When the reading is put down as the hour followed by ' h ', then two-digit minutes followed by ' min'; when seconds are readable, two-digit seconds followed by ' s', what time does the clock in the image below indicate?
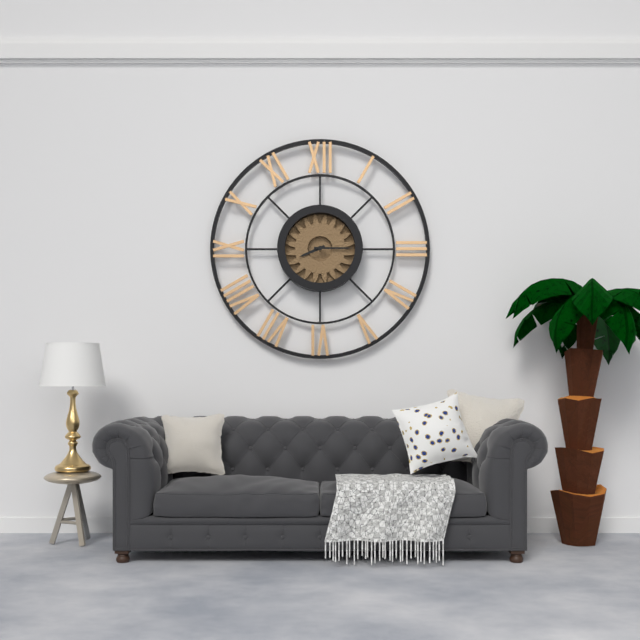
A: 8 h 15 min
